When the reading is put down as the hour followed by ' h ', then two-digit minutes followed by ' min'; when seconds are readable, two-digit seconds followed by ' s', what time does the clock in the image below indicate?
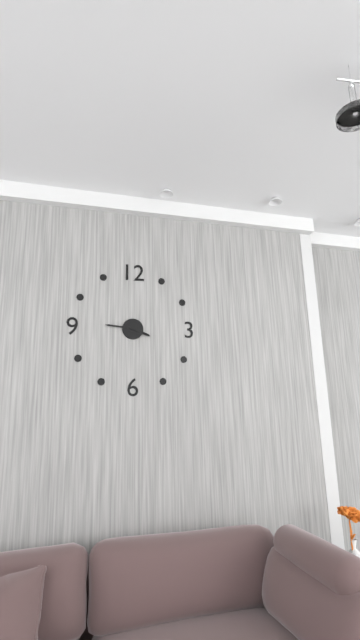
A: 3 h 46 min
